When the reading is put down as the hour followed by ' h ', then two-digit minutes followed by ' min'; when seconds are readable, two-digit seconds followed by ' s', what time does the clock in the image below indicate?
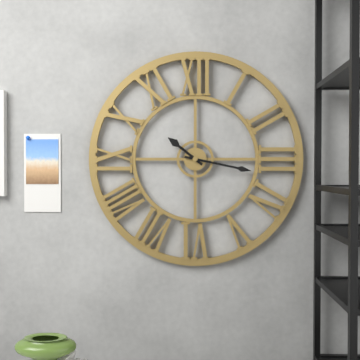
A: 10 h 17 min
